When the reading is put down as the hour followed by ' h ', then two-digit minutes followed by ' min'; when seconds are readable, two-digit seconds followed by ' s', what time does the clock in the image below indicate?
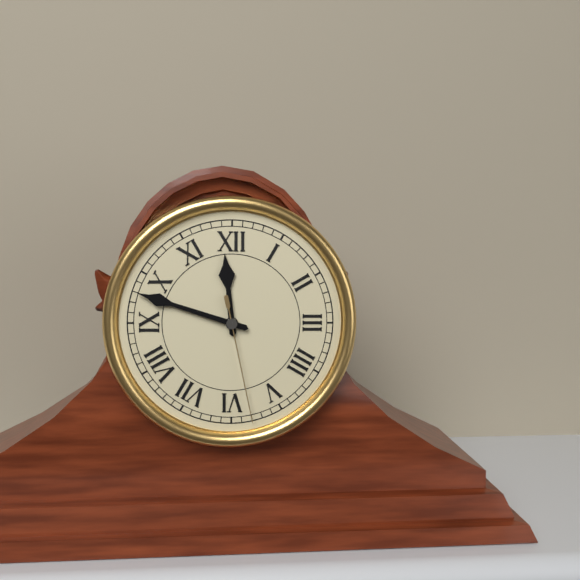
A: 11 h 48 min 28 s
